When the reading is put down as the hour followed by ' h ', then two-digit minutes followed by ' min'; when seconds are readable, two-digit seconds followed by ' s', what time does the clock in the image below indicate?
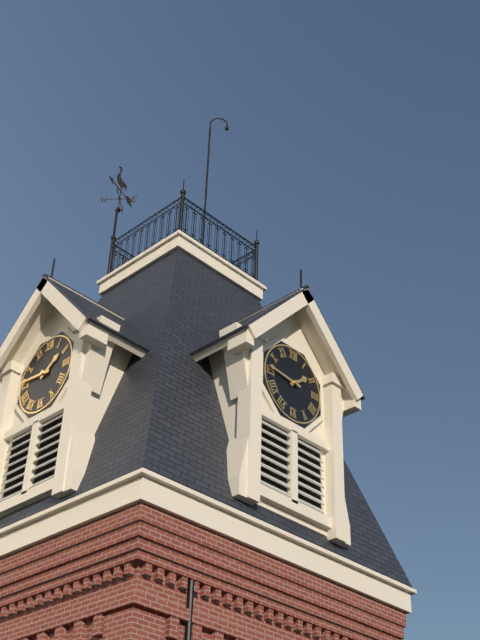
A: 1 h 46 min
